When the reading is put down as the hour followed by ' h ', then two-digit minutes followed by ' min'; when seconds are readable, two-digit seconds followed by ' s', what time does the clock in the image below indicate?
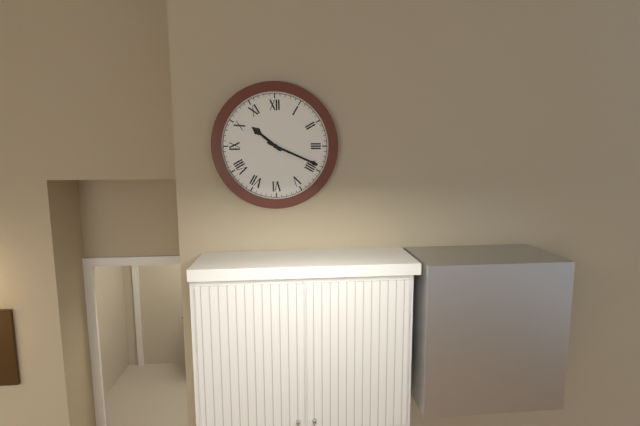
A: 10 h 19 min
